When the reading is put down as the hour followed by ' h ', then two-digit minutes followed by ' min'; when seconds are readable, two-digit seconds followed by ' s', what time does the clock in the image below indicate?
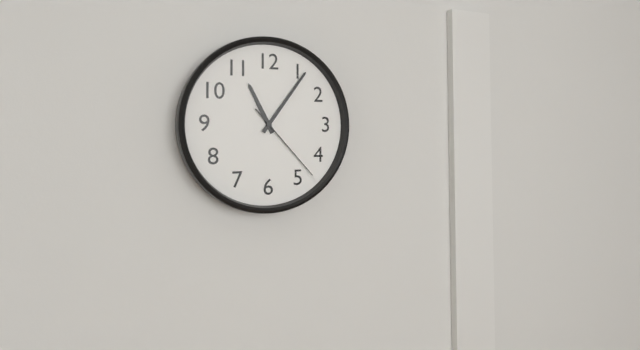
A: 11 h 06 min 23 s
